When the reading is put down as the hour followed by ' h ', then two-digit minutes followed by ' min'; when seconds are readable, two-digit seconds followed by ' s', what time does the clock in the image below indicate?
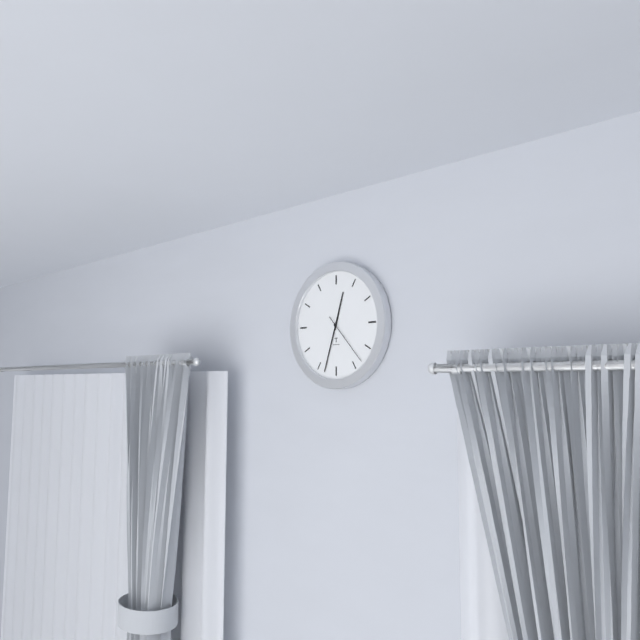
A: 12 h 33 min 23 s
